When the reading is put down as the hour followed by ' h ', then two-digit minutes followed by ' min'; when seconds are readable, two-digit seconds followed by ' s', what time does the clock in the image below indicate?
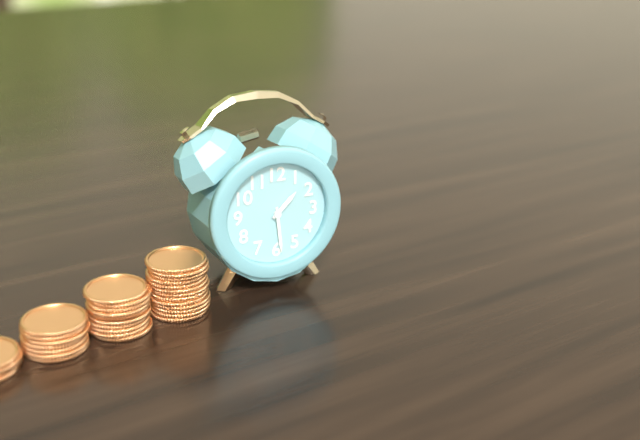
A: 1 h 29 min
